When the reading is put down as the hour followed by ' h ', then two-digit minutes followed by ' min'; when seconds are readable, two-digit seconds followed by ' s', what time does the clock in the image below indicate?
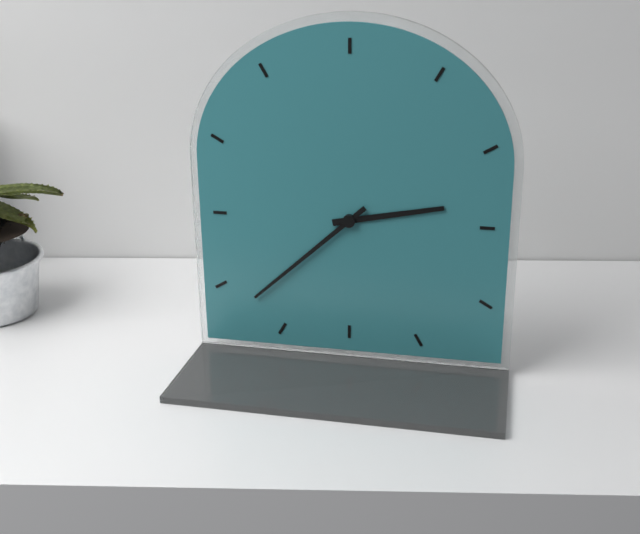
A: 2 h 38 min
